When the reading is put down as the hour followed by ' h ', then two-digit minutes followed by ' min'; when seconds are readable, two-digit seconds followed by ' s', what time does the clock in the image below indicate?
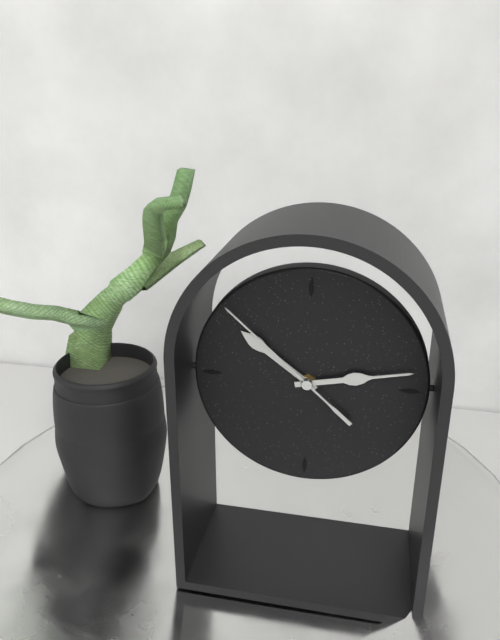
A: 10 h 13 min 52 s
